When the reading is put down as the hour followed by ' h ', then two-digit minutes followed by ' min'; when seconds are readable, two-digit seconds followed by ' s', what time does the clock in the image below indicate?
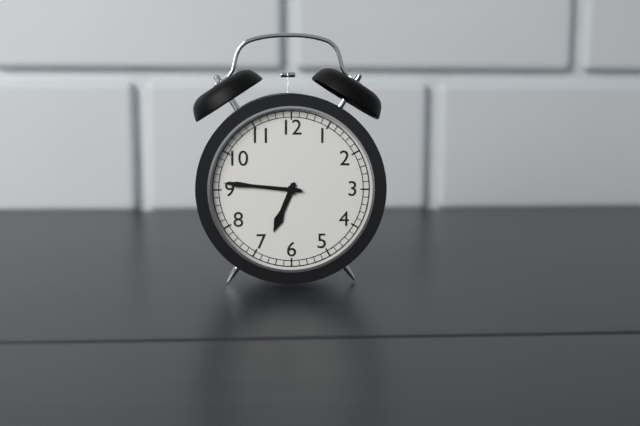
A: 6 h 46 min
